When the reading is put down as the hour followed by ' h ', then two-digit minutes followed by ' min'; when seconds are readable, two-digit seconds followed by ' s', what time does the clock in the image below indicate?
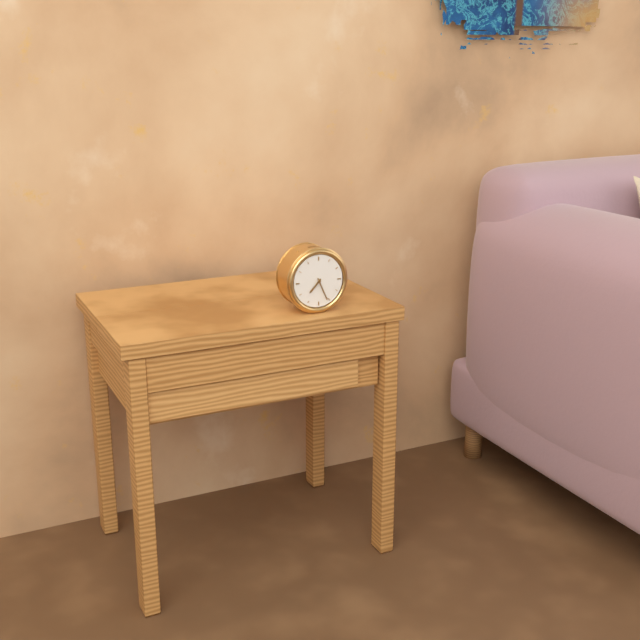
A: 7 h 26 min
